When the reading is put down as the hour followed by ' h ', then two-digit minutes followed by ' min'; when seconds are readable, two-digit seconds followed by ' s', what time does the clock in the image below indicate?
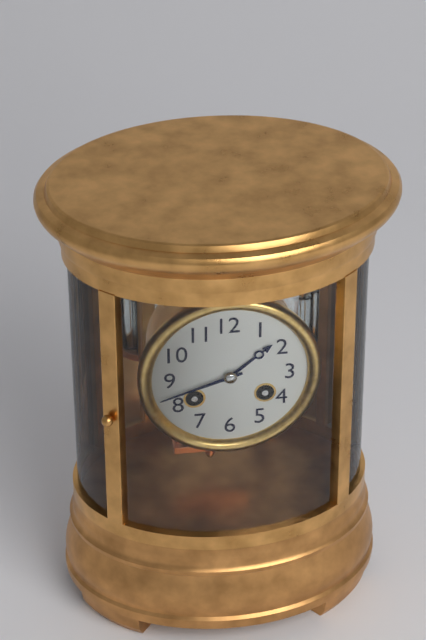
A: 1 h 42 min
